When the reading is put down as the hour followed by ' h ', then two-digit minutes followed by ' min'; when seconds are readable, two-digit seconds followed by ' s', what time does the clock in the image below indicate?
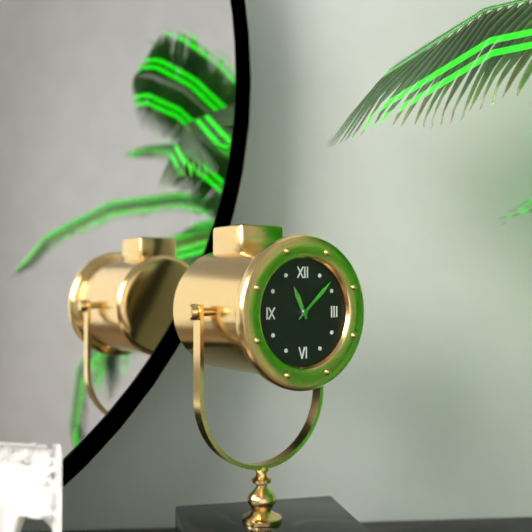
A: 11 h 08 min
